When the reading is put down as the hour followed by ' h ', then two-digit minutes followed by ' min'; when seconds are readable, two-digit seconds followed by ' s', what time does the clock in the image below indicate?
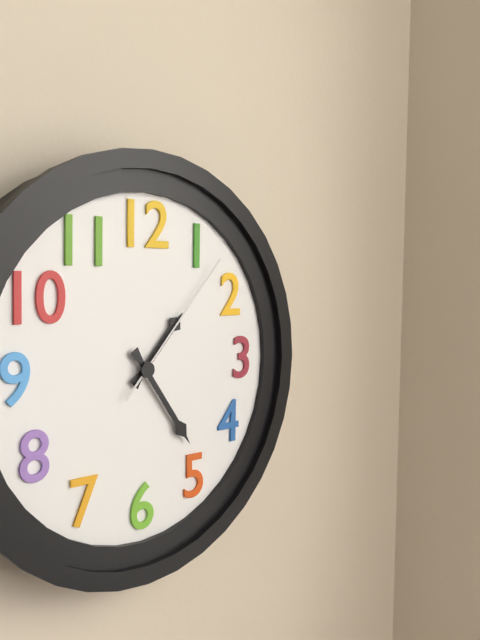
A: 1 h 24 min 07 s
